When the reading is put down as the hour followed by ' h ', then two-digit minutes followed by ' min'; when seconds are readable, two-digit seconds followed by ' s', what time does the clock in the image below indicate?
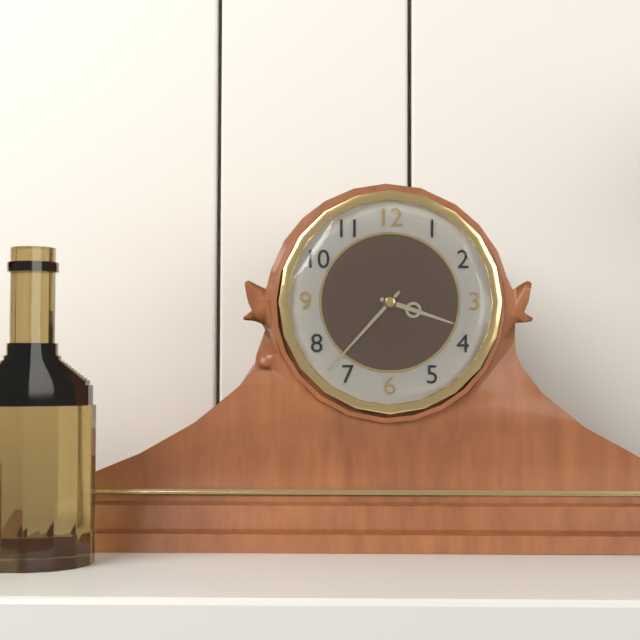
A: 3 h 37 min
